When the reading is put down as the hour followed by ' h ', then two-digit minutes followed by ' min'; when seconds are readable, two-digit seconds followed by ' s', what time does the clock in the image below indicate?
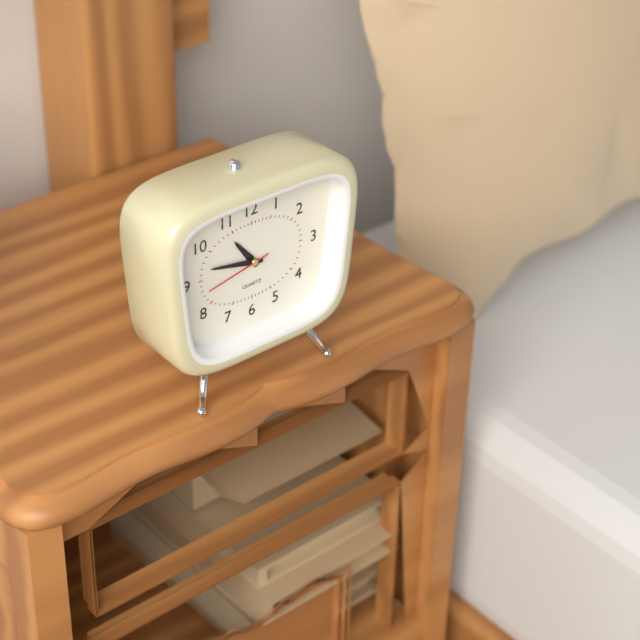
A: 10 h 47 min 43 s
